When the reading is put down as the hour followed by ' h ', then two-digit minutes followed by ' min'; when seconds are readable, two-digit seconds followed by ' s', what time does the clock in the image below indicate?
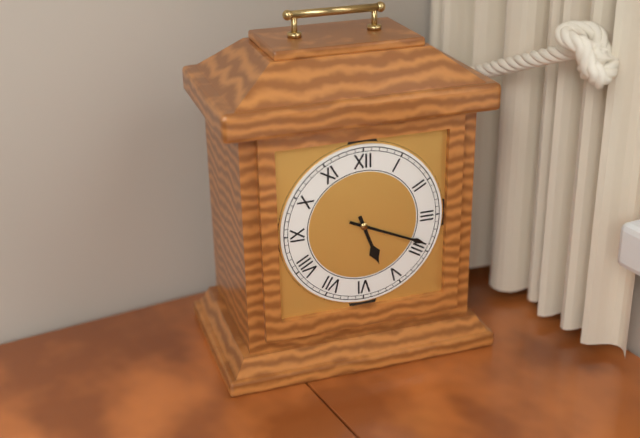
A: 5 h 19 min
